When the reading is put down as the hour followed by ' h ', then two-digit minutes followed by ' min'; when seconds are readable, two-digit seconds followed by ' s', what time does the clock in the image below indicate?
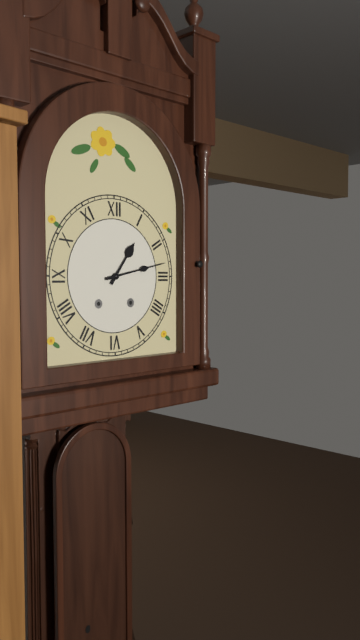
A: 1 h 13 min
